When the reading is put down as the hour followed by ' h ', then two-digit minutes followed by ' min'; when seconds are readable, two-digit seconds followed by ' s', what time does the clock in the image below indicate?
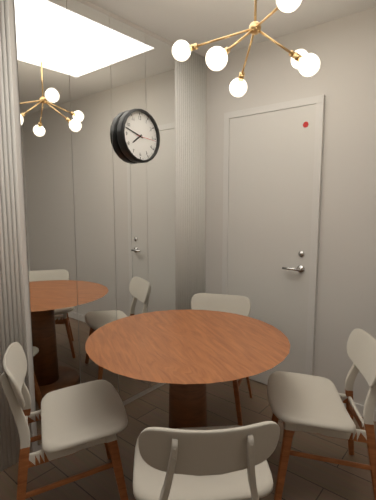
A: 7 h 48 min
